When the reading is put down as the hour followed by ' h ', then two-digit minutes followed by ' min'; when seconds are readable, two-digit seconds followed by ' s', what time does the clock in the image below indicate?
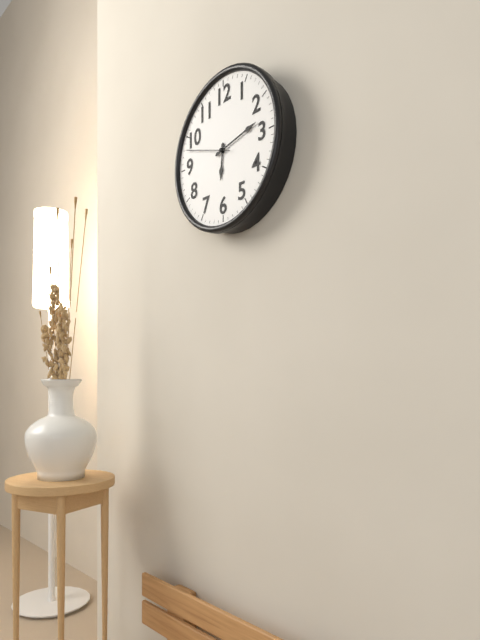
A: 6 h 13 min
